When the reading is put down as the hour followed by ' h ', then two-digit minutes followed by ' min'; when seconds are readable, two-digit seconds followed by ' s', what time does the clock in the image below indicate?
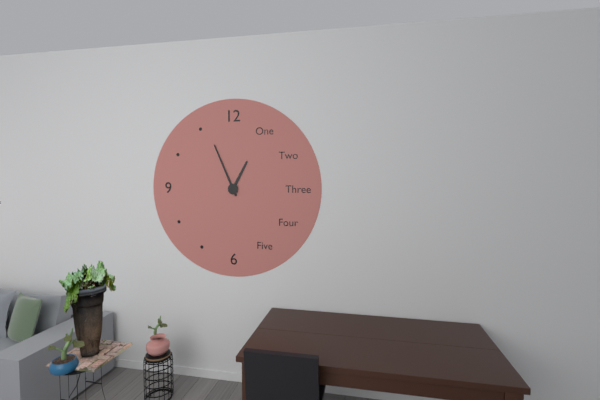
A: 12 h 56 min
